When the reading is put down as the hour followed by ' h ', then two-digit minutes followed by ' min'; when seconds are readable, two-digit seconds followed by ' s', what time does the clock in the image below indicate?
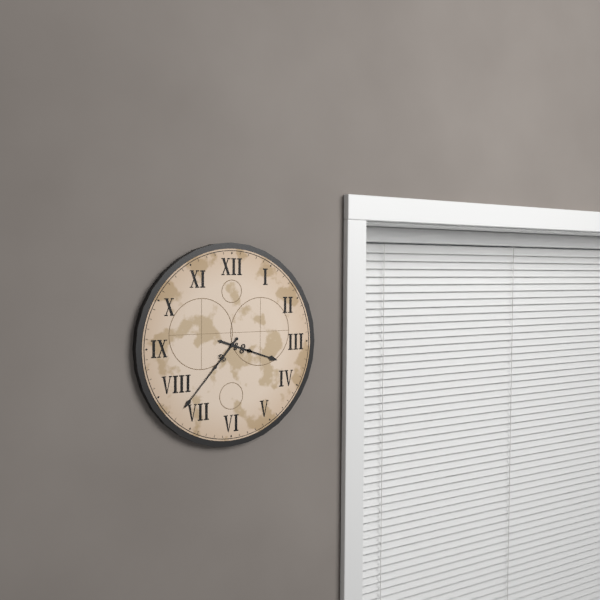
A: 3 h 37 min
